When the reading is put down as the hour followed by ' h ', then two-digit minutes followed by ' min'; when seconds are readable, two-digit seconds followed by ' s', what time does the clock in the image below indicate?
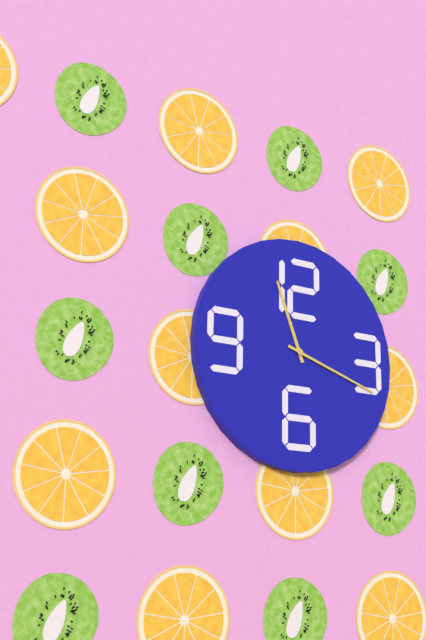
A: 11 h 18 min
